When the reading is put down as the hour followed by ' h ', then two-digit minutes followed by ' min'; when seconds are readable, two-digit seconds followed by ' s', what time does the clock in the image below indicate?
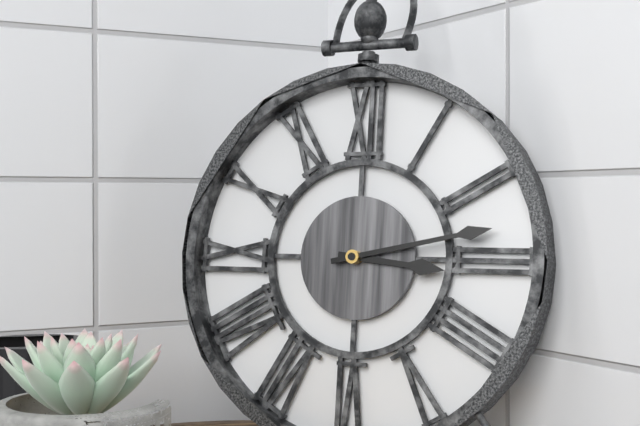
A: 3 h 13 min
